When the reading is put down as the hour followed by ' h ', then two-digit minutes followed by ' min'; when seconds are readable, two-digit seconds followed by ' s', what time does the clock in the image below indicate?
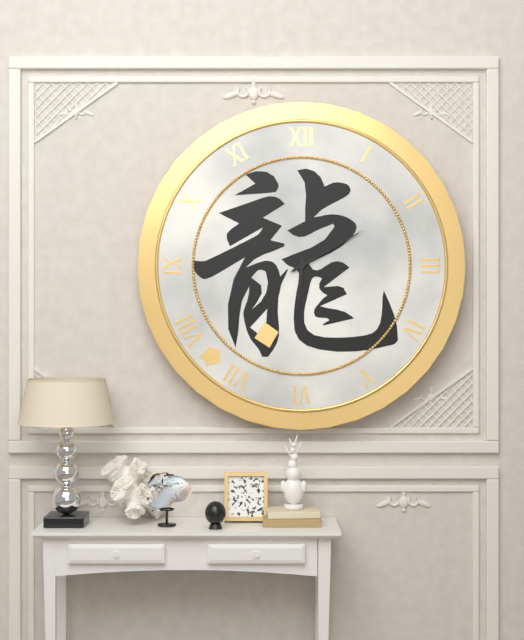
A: 6 h 10 min
